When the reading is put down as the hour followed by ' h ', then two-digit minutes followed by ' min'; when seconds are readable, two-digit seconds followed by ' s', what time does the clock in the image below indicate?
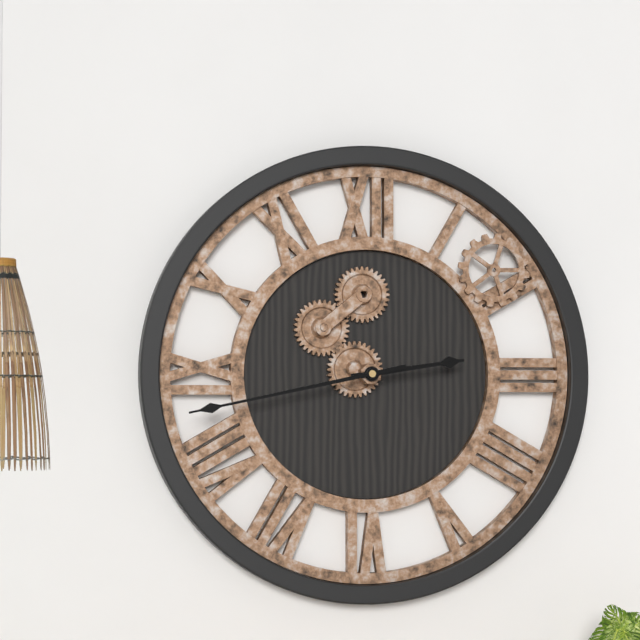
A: 2 h 43 min
